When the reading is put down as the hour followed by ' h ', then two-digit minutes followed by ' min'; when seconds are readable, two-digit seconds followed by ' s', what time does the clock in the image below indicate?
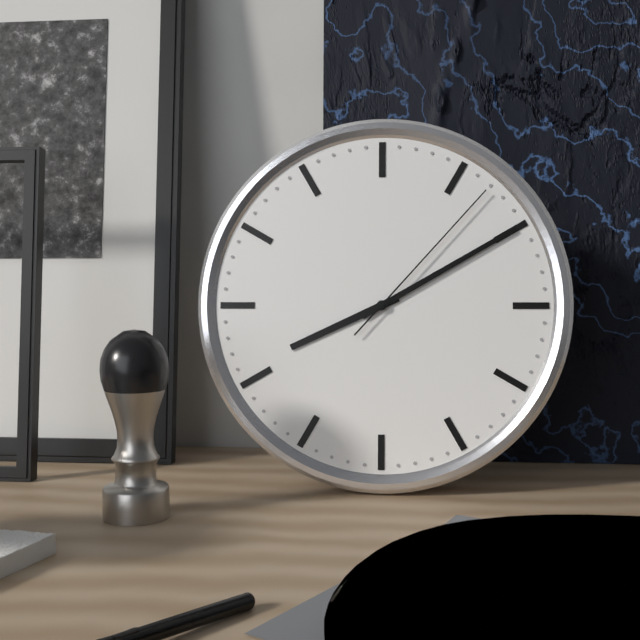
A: 8 h 10 min 07 s
